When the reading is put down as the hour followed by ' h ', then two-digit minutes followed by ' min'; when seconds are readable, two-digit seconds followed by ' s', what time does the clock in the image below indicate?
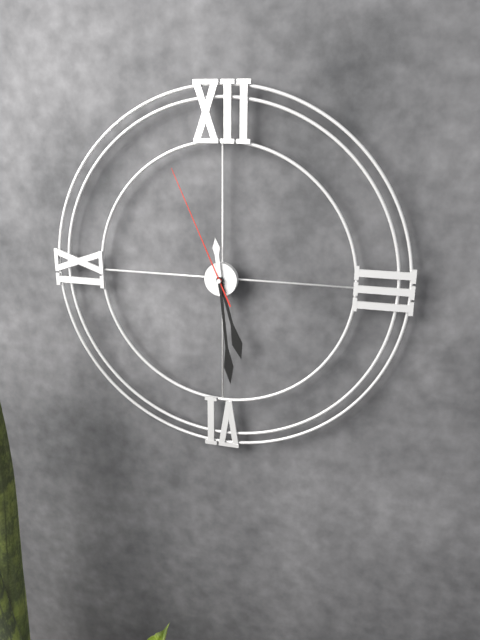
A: 5 h 29 min 56 s
